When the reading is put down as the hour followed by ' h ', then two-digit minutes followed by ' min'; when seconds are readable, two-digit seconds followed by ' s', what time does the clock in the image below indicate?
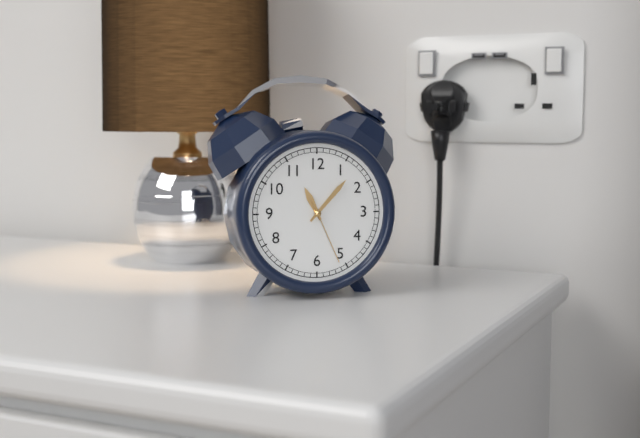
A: 11 h 07 min 26 s
